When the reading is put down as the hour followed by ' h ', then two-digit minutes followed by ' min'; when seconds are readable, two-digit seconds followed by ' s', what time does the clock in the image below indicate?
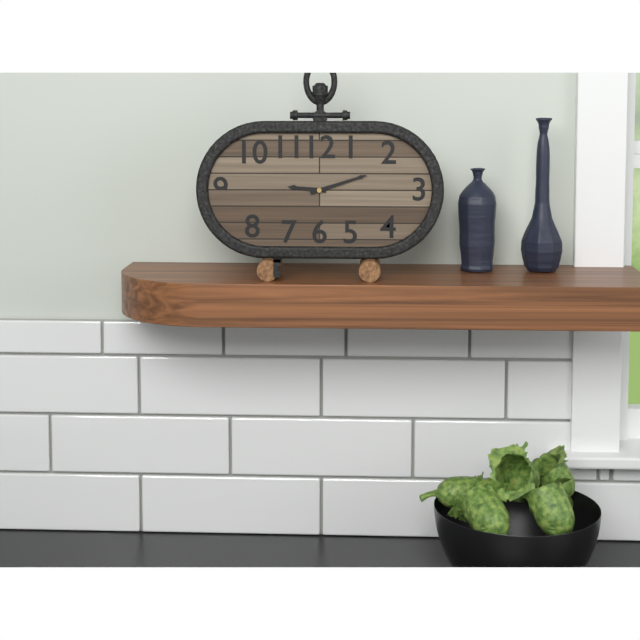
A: 9 h 12 min
